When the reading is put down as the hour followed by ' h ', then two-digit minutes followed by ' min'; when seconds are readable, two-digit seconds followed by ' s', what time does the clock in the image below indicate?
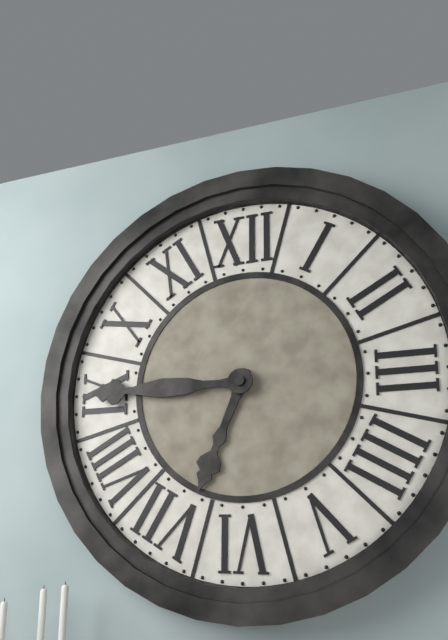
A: 6 h 45 min
